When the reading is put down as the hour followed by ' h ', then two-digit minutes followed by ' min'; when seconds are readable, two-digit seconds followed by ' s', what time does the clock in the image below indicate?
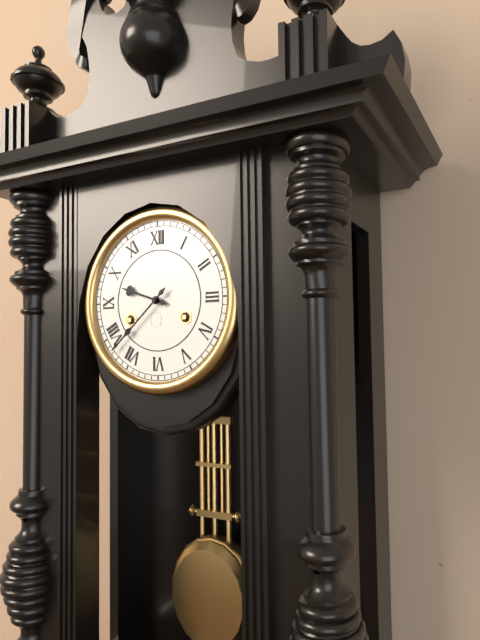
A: 9 h 38 min
